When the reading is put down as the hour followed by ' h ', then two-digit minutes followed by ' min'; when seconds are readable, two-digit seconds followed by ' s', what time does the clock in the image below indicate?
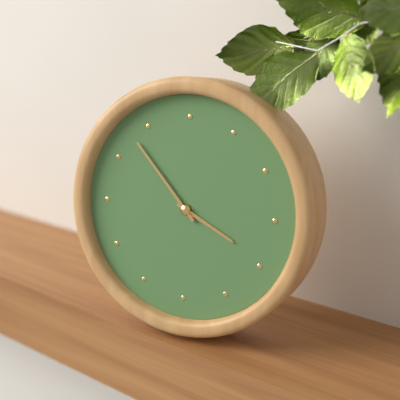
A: 3 h 53 min
